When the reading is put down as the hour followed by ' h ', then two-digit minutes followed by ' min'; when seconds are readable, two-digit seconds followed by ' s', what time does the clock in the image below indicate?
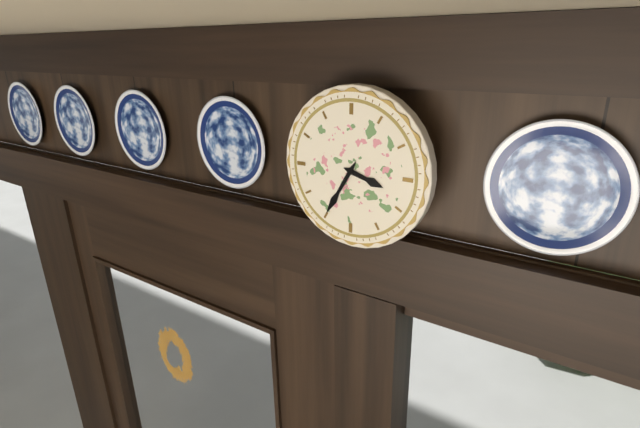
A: 3 h 35 min
